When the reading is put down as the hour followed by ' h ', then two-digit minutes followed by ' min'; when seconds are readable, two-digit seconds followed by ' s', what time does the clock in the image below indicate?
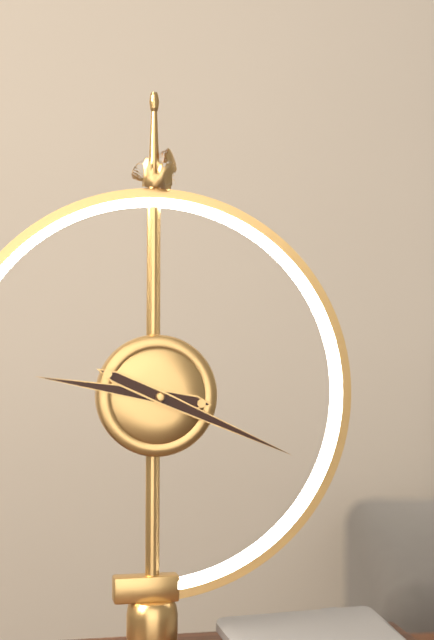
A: 9 h 19 min
